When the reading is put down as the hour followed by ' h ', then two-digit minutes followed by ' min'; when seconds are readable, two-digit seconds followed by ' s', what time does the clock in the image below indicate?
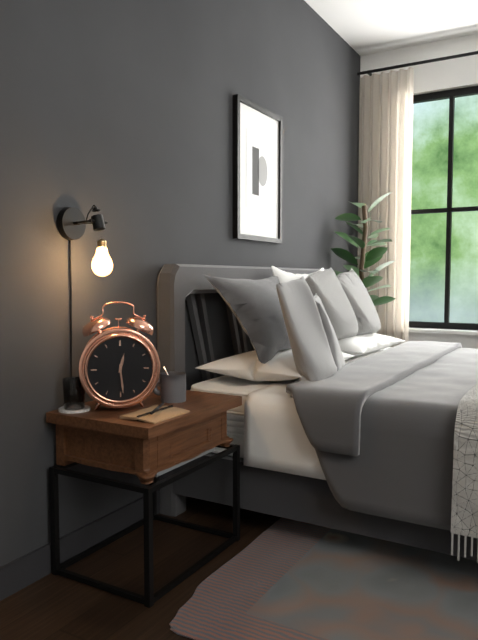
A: 12 h 29 min
